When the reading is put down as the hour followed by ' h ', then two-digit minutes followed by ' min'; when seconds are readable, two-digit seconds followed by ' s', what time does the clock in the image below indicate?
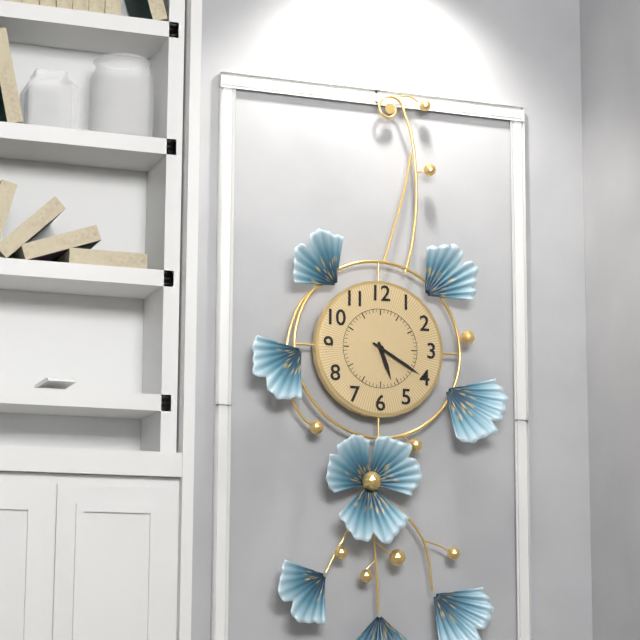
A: 5 h 20 min
